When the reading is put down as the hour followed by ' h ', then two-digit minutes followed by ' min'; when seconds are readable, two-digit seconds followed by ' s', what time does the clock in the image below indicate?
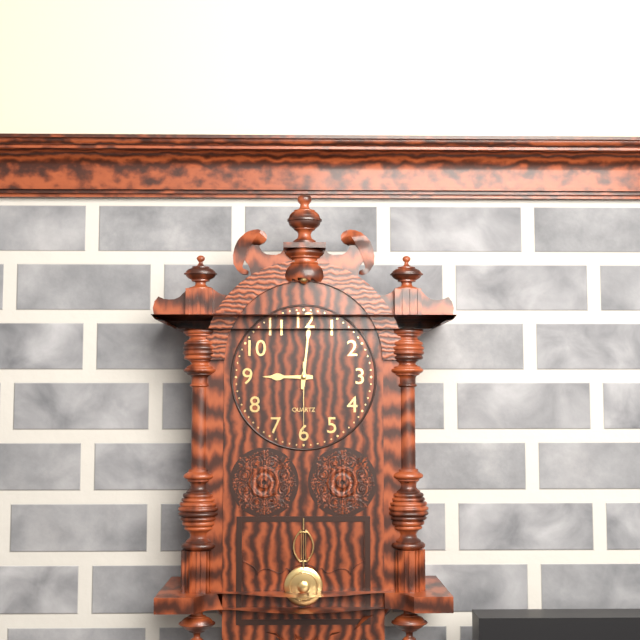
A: 9 h 01 min 30 s
